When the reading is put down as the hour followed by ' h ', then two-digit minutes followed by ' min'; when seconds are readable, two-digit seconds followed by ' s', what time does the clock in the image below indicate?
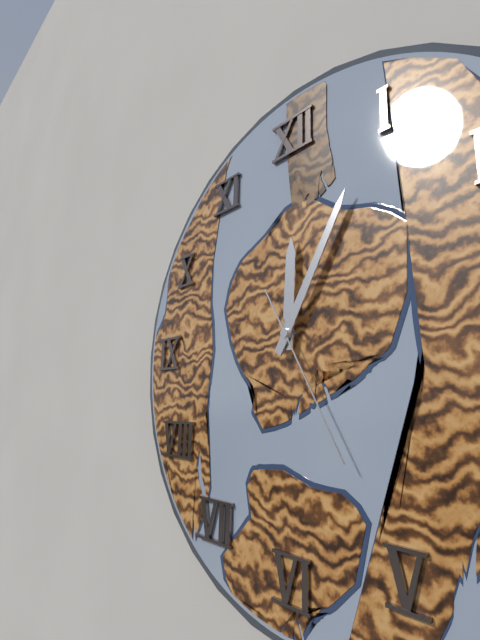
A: 12 h 05 min 25 s
